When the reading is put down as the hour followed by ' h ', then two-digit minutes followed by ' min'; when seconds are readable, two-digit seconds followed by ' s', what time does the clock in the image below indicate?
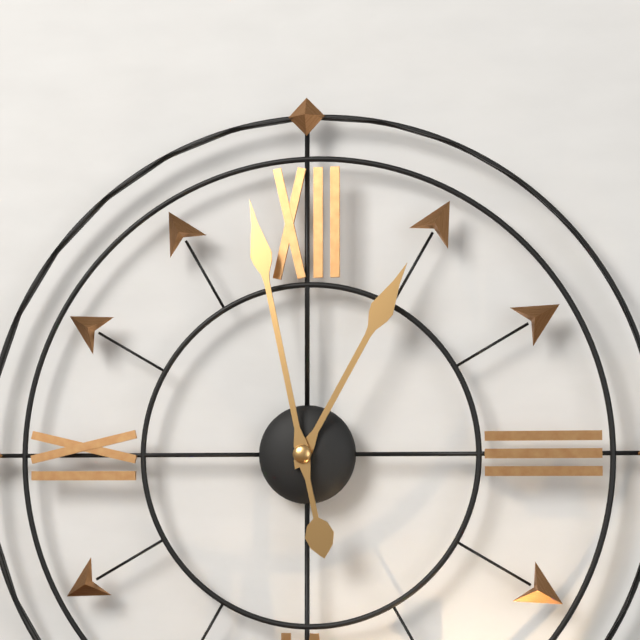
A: 12 h 58 min
